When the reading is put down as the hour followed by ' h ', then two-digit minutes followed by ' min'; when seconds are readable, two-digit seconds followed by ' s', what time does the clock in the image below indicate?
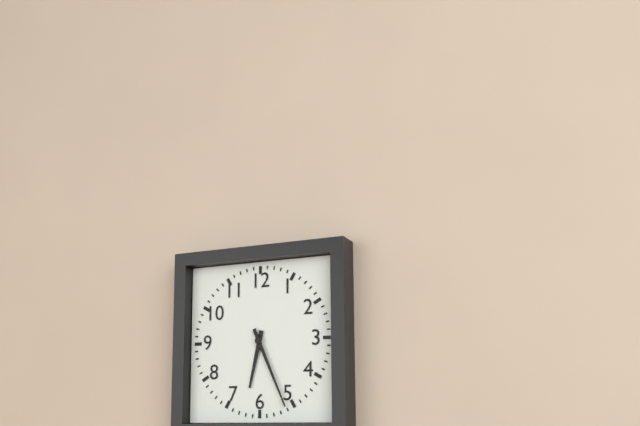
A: 6 h 26 min
